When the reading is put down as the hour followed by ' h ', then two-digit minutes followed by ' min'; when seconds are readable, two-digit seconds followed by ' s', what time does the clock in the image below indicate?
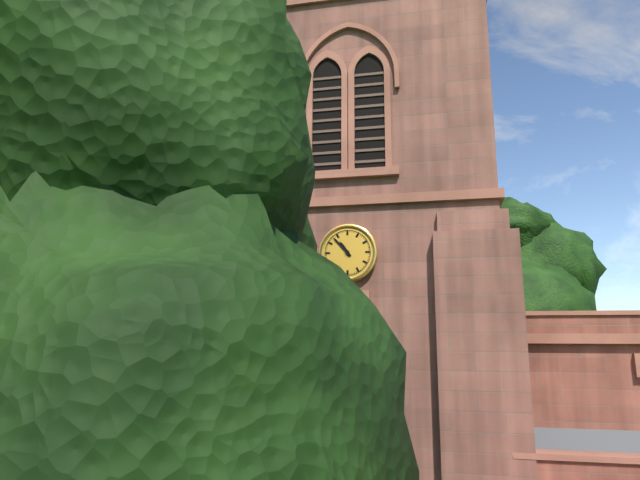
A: 10 h 53 min
